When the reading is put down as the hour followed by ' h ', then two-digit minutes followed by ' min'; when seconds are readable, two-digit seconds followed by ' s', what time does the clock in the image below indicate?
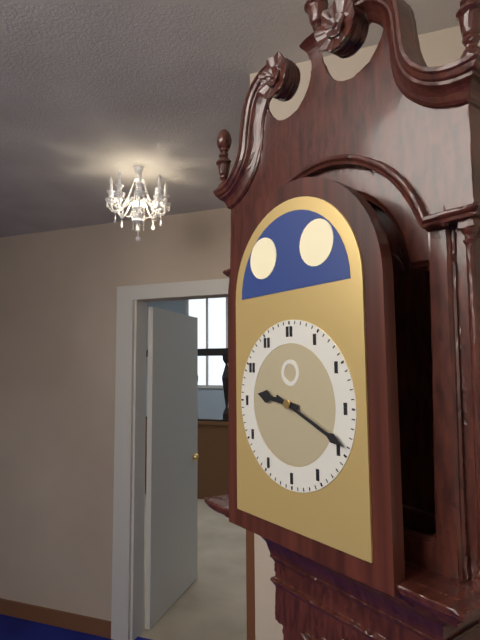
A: 9 h 19 min
